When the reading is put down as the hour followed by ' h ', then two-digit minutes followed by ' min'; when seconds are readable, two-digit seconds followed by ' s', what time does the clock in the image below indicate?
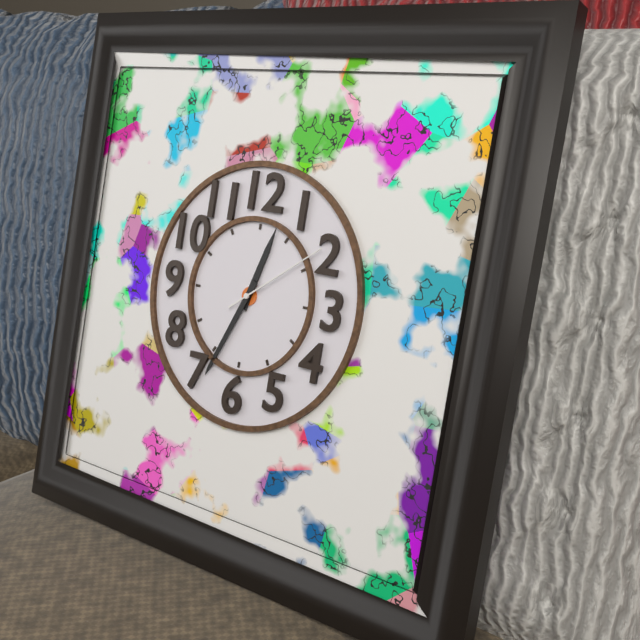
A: 12 h 34 min 09 s
